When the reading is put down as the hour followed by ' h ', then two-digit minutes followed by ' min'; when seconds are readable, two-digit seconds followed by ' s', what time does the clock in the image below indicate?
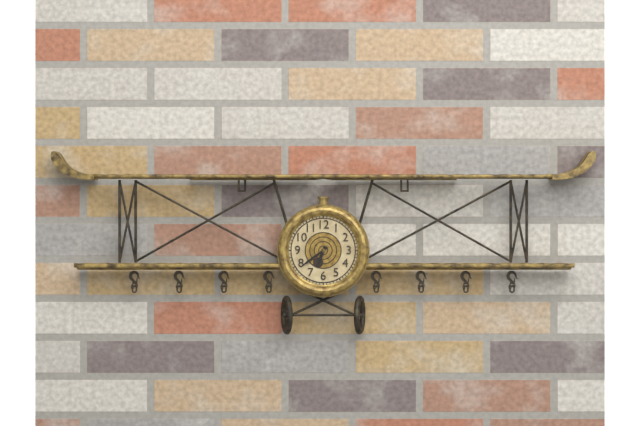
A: 6 h 39 min
